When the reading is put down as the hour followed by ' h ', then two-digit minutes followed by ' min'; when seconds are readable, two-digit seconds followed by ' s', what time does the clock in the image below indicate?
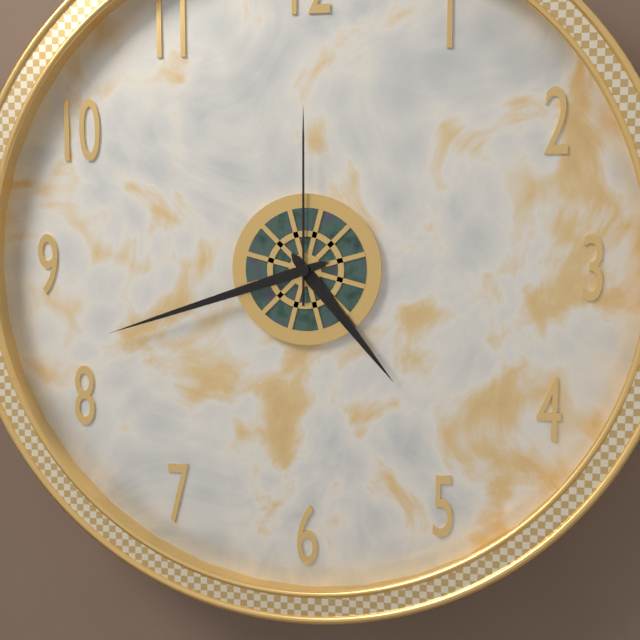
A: 4 h 42 min 00 s
